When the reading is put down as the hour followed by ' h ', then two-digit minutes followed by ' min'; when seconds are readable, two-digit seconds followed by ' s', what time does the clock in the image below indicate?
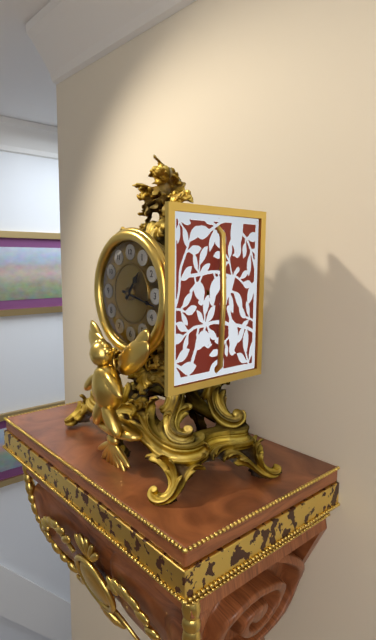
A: 1 h 17 min
